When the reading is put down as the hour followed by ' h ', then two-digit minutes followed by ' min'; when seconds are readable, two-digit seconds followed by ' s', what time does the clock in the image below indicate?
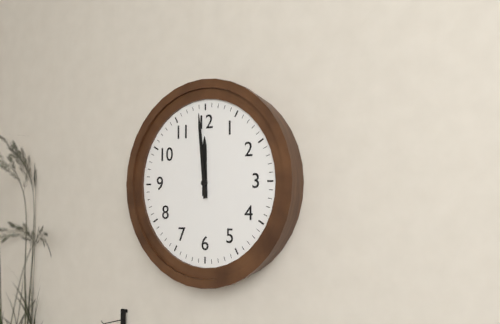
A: 11 h 59 min
